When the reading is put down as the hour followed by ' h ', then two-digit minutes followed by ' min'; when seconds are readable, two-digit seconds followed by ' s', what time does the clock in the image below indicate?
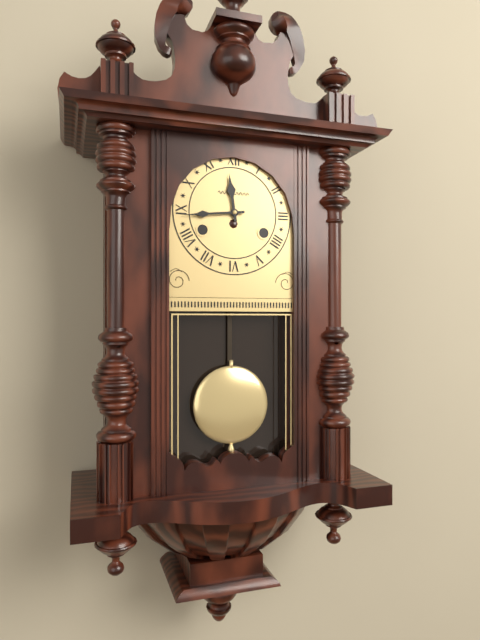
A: 11 h 44 min
